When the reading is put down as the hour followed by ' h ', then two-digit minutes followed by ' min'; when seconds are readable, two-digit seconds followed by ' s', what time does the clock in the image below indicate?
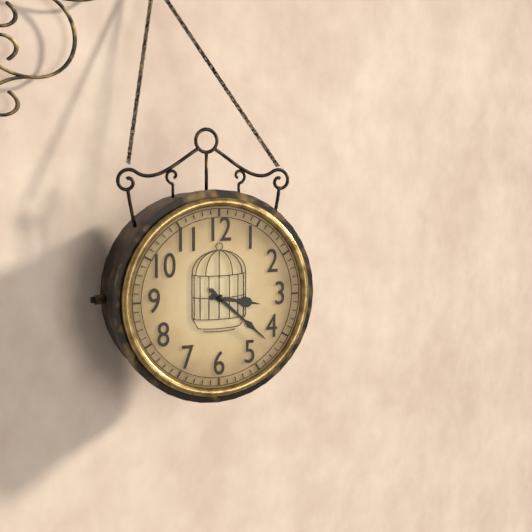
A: 3 h 22 min
